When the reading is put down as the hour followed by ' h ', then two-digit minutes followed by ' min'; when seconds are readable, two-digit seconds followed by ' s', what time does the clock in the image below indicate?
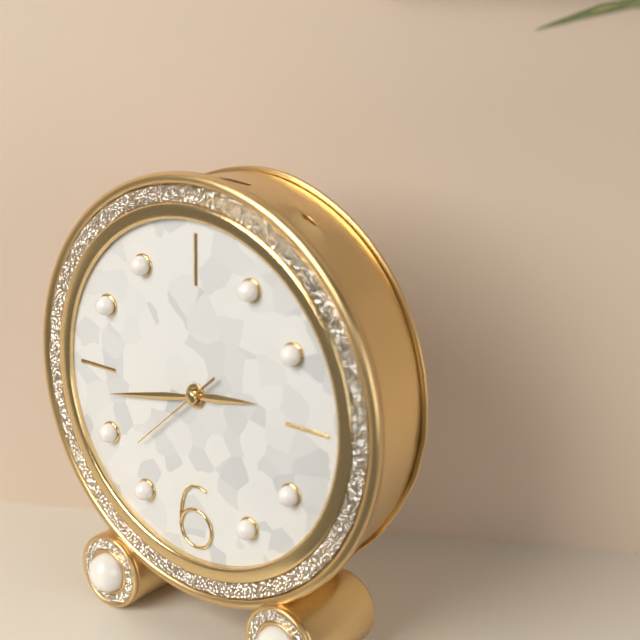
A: 2 h 43 min 38 s
